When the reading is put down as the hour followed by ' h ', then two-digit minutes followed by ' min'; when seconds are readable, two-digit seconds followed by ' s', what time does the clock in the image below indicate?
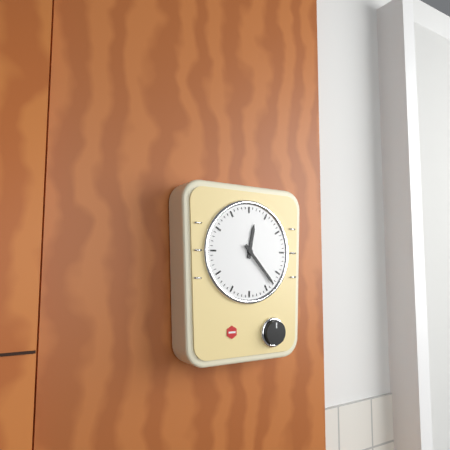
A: 12 h 23 min
